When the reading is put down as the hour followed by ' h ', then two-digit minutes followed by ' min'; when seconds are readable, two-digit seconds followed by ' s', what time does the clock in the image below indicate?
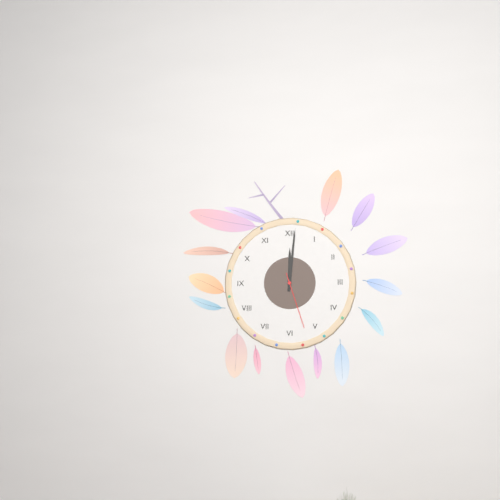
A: 12 h 01 min 27 s
